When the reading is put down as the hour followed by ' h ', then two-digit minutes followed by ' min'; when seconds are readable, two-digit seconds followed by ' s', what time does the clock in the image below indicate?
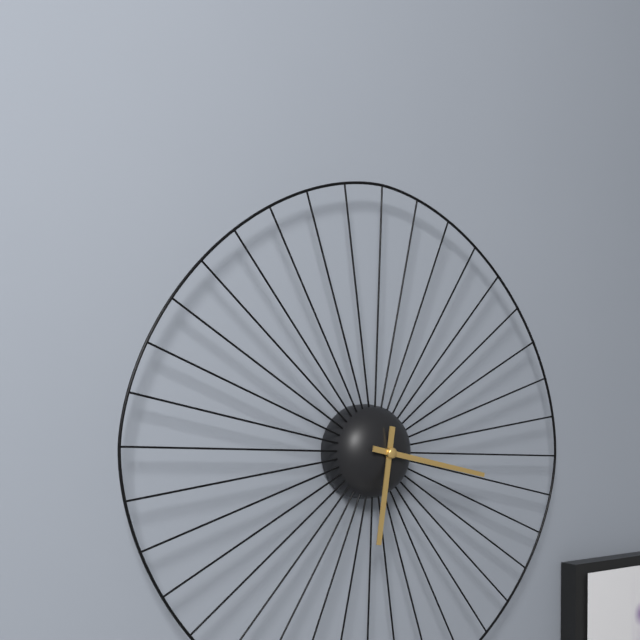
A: 6 h 17 min
